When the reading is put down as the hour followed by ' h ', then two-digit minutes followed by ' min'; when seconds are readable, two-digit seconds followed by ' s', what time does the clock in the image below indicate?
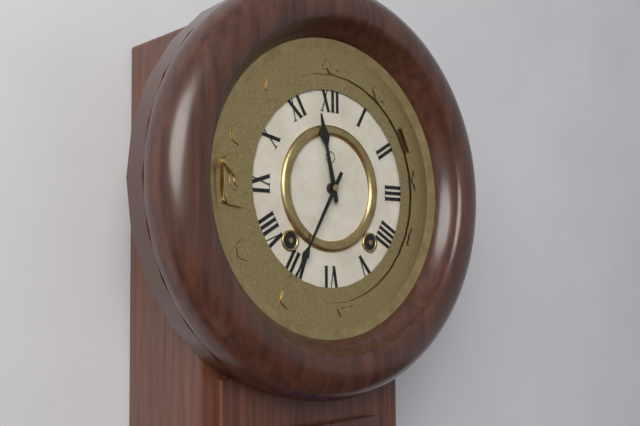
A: 11 h 35 min
